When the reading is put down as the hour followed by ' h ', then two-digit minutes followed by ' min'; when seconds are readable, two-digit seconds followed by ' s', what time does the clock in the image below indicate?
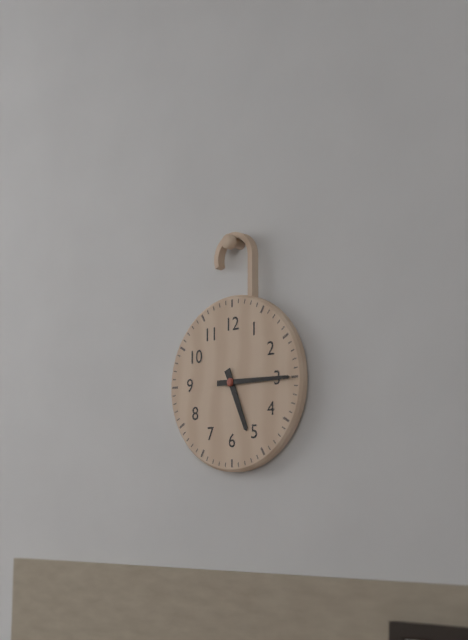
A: 5 h 15 min
